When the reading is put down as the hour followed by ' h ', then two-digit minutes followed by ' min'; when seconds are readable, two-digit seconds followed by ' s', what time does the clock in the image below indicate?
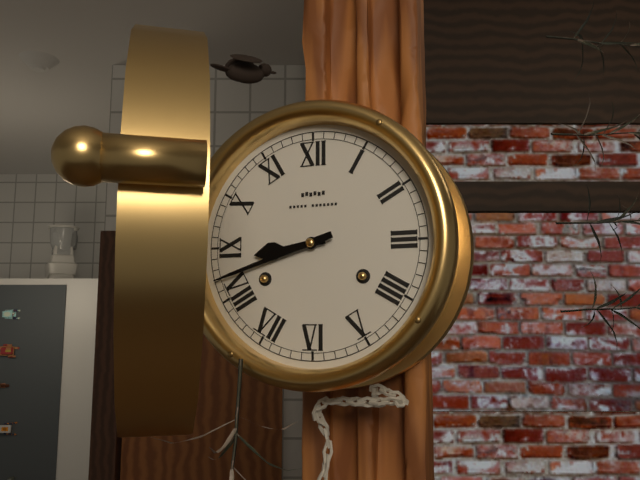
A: 8 h 42 min
